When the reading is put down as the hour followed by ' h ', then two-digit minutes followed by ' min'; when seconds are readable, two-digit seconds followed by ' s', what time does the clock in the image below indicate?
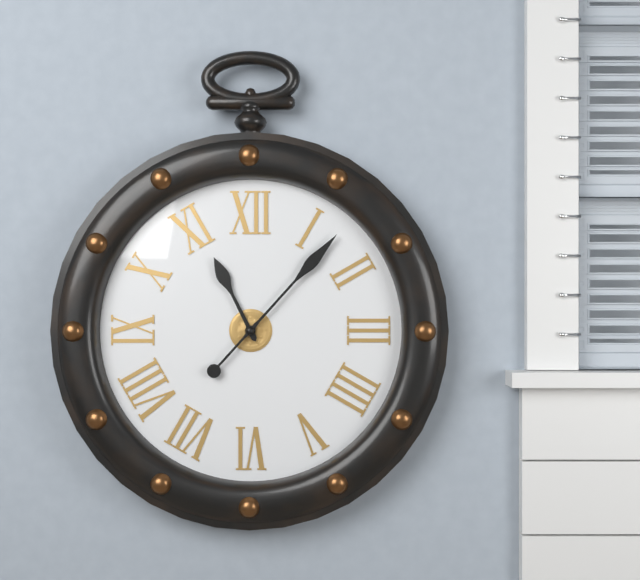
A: 11 h 07 min
